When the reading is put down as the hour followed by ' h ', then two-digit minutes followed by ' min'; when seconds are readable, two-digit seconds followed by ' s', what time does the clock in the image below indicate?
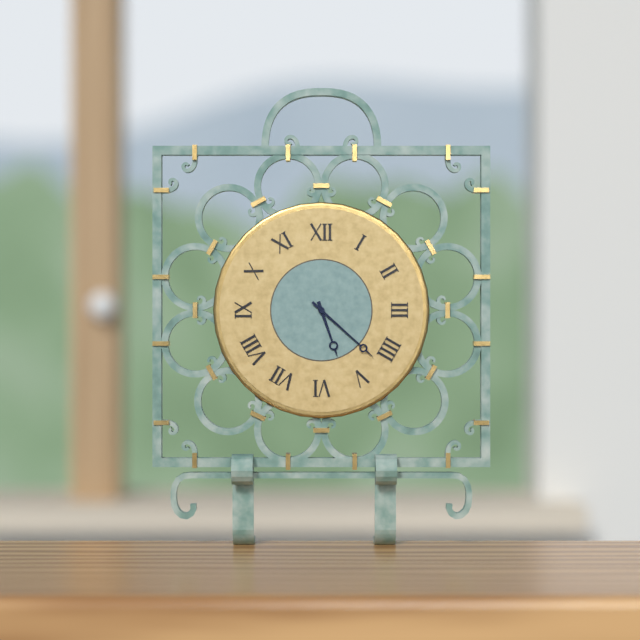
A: 5 h 22 min
